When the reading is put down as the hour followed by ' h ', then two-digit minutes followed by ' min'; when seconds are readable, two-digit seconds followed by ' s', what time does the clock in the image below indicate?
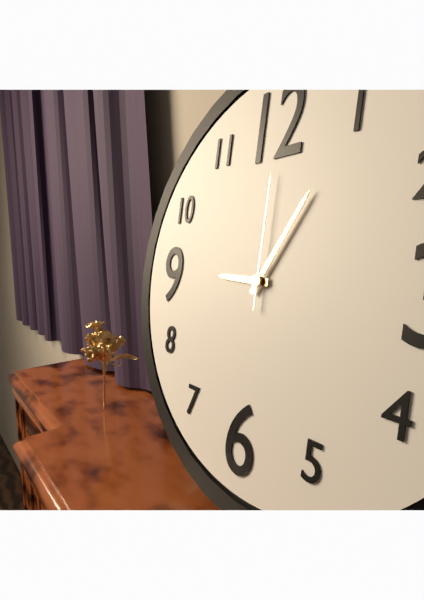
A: 9 h 05 min 00 s
